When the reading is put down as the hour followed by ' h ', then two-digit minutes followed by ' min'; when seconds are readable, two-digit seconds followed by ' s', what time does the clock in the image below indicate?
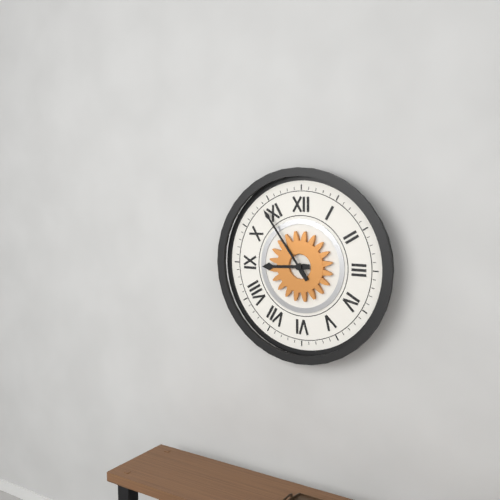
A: 8 h 54 min
